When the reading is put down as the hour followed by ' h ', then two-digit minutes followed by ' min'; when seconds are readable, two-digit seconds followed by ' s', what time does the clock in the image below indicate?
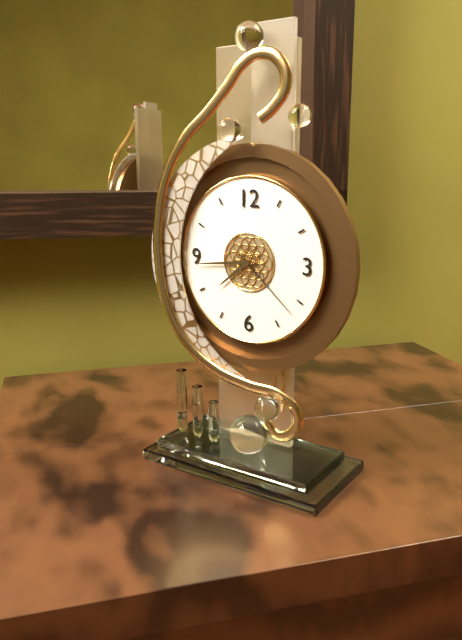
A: 7 h 44 min 22 s
